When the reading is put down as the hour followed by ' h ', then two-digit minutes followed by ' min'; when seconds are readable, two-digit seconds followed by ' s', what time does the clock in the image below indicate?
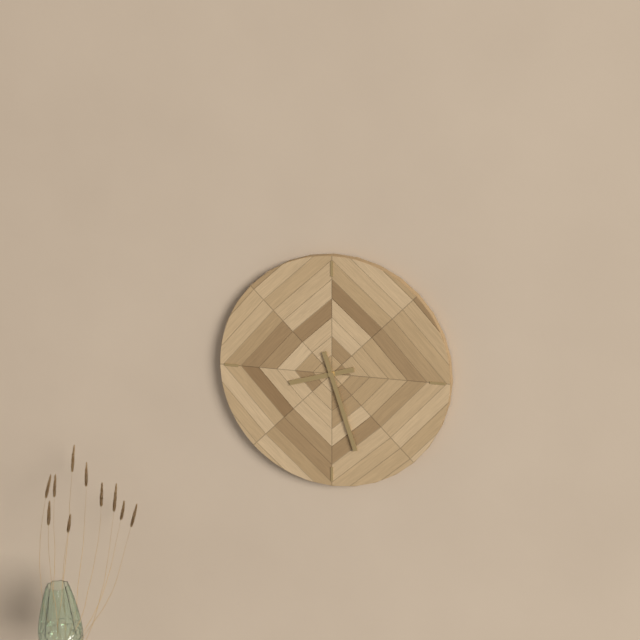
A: 8 h 27 min
